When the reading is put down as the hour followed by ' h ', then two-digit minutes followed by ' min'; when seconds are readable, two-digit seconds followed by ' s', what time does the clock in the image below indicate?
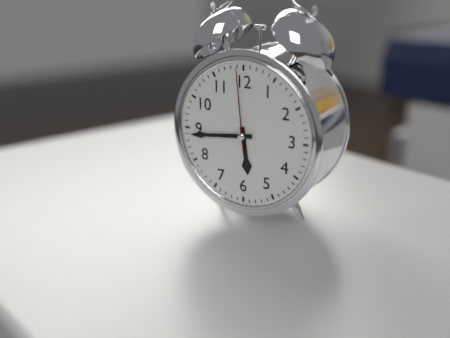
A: 5 h 44 min 59 s
